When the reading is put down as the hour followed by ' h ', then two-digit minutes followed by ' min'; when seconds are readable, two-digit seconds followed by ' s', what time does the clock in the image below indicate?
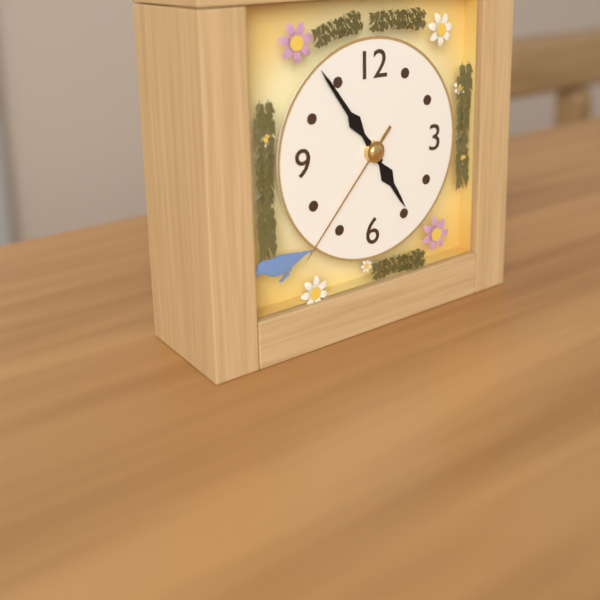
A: 4 h 54 min 37 s
